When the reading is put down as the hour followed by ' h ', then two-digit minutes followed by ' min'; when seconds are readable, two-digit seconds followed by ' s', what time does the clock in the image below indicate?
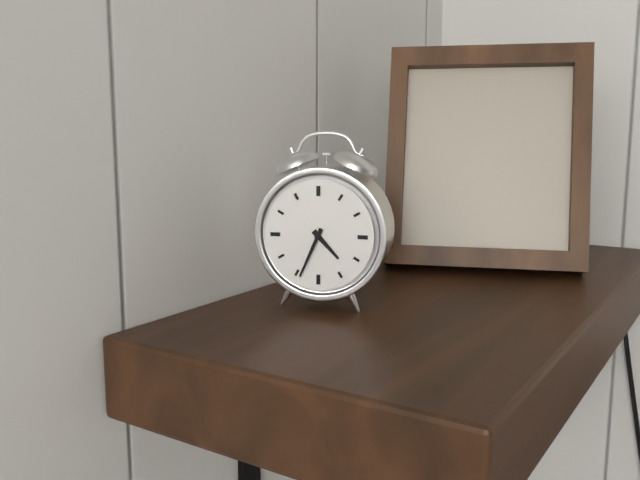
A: 4 h 34 min
